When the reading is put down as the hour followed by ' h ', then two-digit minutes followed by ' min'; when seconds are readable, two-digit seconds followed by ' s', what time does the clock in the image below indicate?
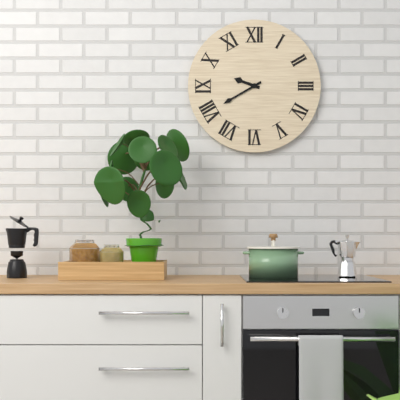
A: 9 h 40 min
